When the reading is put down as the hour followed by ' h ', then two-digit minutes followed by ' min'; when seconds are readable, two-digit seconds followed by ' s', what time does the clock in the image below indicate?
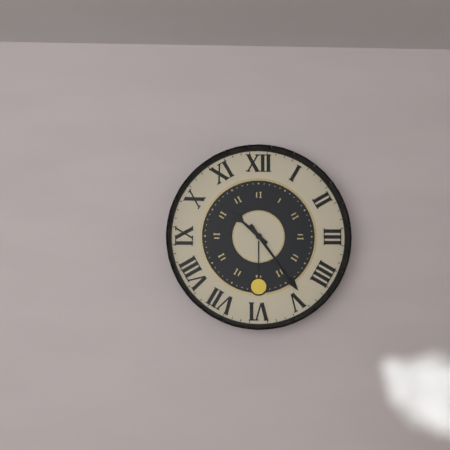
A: 10 h 24 min
